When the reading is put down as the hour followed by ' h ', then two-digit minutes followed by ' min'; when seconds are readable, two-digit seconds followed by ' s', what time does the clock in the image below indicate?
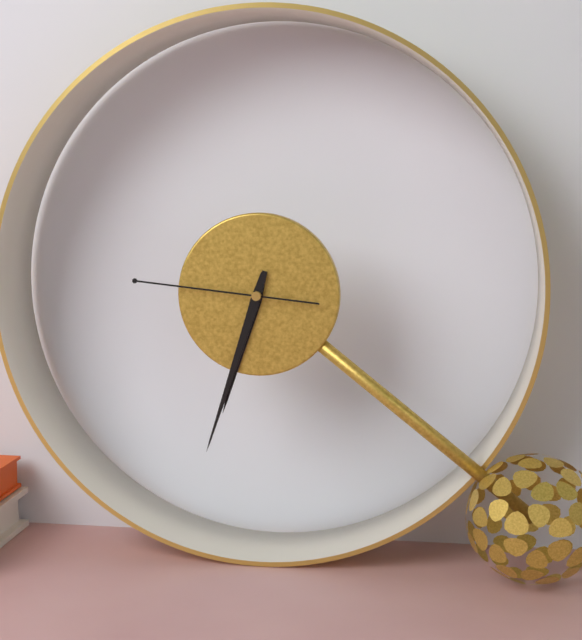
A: 6 h 33 min 46 s
